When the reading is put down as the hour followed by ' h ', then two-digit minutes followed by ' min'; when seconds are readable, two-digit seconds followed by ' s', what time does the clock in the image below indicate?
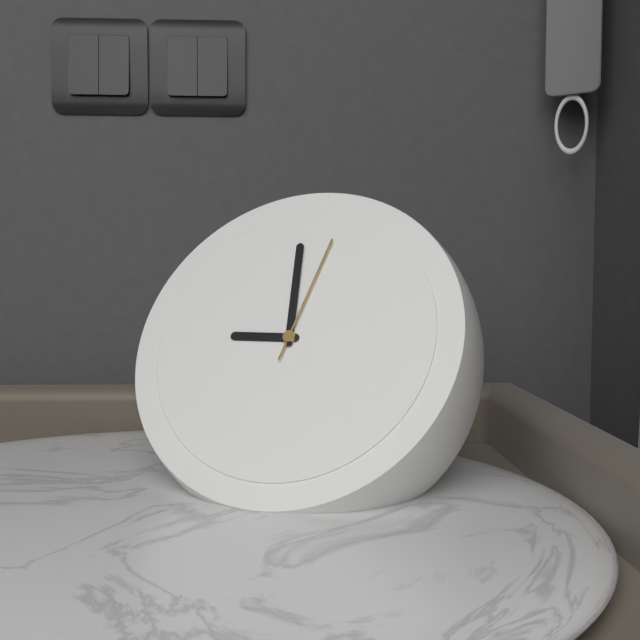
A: 8 h 59 min 02 s
